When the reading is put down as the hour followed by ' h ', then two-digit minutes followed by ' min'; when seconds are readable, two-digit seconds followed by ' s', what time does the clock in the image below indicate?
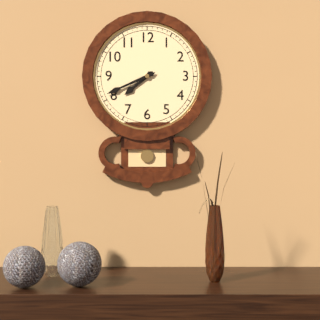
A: 7 h 41 min
